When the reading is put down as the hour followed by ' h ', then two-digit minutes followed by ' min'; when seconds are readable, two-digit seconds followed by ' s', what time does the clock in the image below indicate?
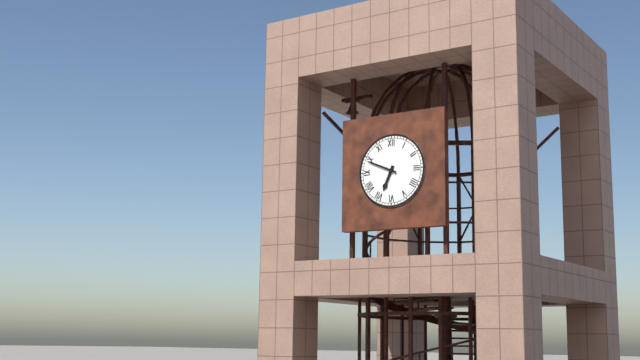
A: 6 h 49 min
